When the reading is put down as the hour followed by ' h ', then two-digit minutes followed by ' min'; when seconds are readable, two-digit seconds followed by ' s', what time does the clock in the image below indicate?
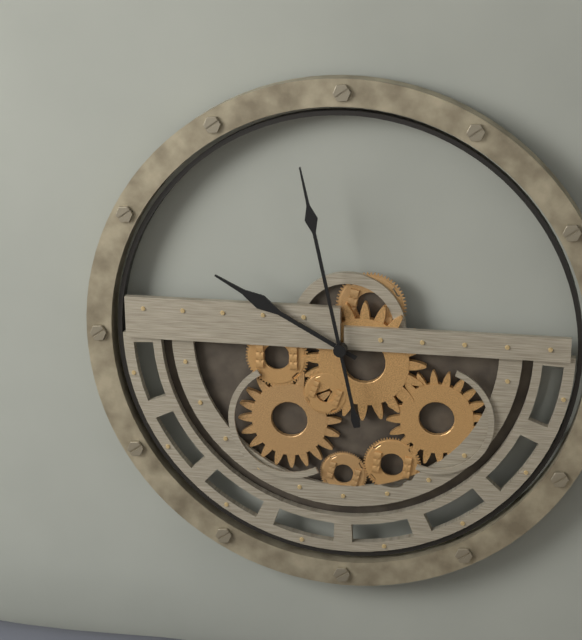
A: 9 h 58 min
